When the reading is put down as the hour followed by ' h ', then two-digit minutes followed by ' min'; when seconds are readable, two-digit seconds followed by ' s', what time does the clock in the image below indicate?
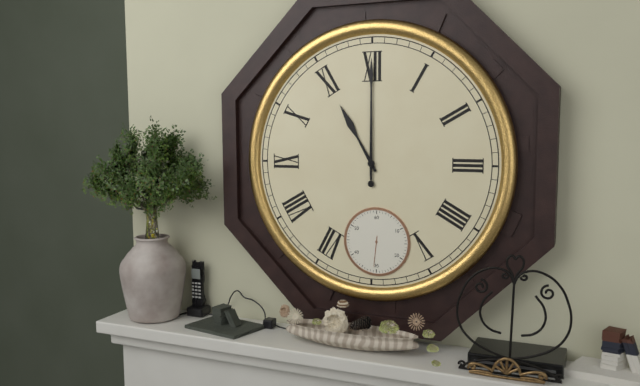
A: 11 h 00 min
